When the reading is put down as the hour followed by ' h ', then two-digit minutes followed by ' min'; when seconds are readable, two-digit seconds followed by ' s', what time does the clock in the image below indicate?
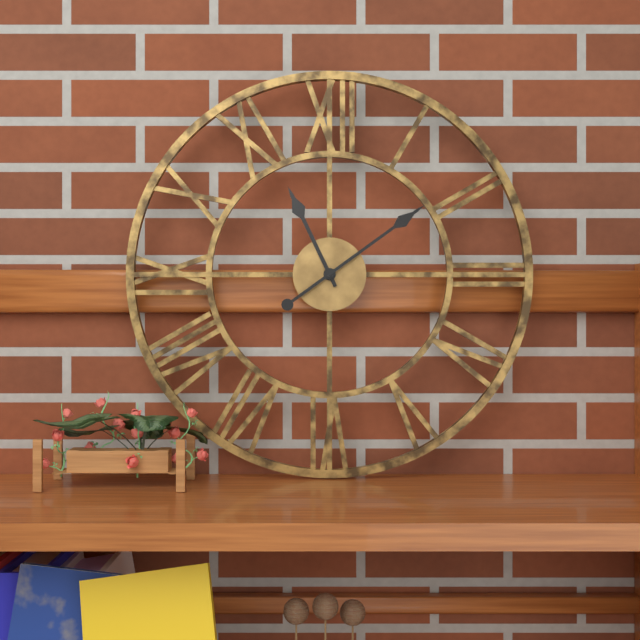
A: 11 h 09 min
